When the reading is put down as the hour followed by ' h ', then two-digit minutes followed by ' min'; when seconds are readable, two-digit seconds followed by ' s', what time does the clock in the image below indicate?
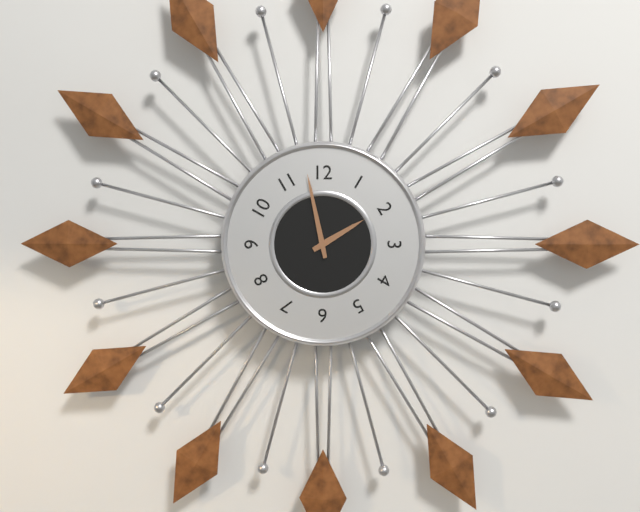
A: 1 h 58 min
